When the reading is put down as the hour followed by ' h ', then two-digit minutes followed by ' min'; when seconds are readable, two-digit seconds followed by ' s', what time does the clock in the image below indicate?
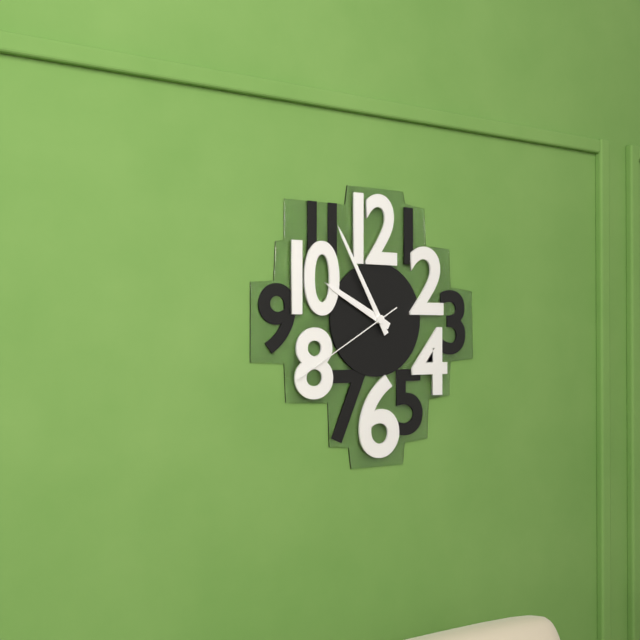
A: 9 h 55 min 40 s
